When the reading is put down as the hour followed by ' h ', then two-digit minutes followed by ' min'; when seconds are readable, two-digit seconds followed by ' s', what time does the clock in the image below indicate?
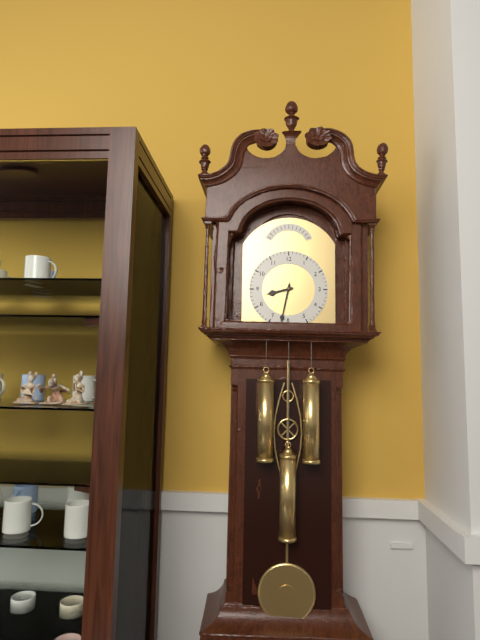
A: 8 h 32 min
